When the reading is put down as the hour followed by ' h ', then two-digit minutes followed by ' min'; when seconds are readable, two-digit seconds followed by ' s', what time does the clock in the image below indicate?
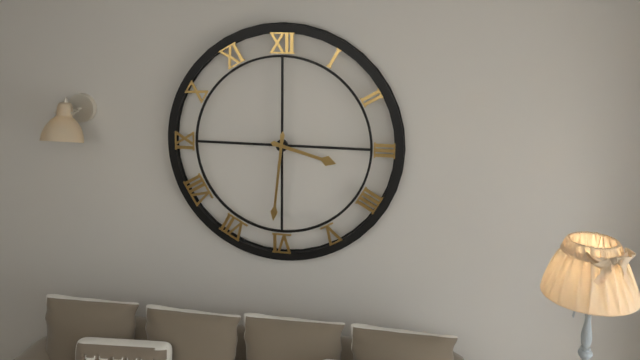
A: 3 h 31 min
